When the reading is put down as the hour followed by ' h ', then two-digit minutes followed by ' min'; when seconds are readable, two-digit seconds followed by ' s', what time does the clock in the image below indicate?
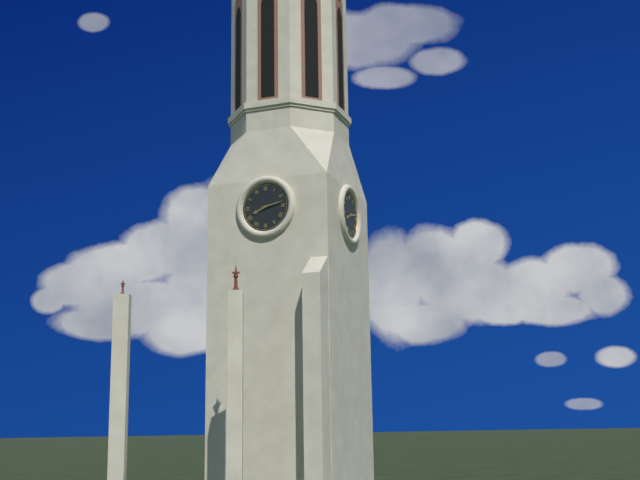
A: 8 h 13 min
